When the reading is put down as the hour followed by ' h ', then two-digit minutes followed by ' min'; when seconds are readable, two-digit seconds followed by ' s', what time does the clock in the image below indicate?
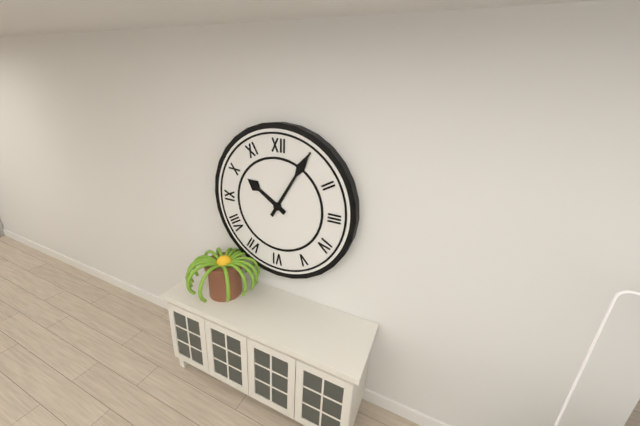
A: 10 h 05 min
